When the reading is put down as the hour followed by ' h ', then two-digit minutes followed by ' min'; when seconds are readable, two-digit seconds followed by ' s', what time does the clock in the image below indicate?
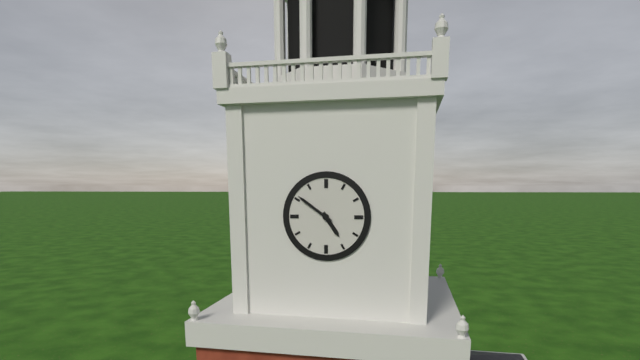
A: 4 h 51 min
